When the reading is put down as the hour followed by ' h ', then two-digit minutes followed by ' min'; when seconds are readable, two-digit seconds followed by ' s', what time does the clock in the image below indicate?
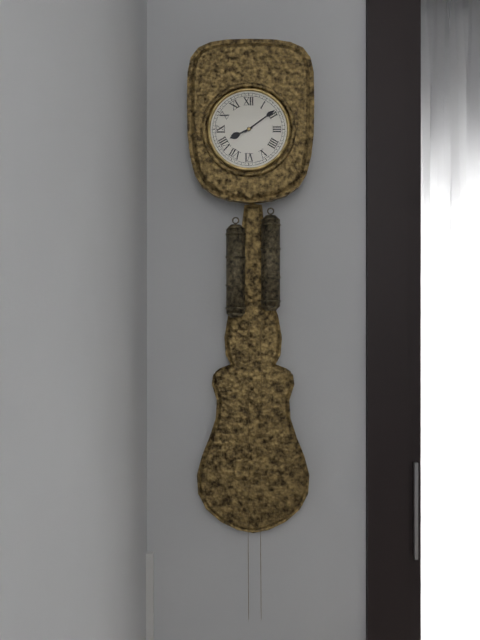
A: 8 h 09 min
